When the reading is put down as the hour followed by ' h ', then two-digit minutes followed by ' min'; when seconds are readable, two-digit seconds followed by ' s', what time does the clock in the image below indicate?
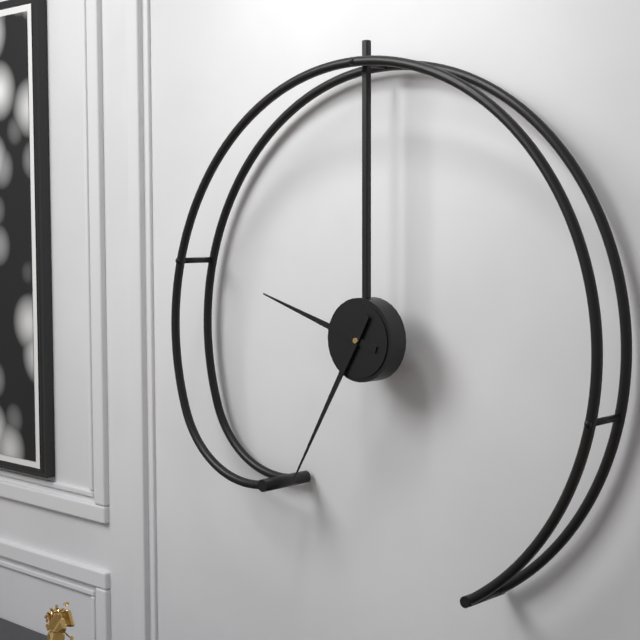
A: 9 h 35 min
